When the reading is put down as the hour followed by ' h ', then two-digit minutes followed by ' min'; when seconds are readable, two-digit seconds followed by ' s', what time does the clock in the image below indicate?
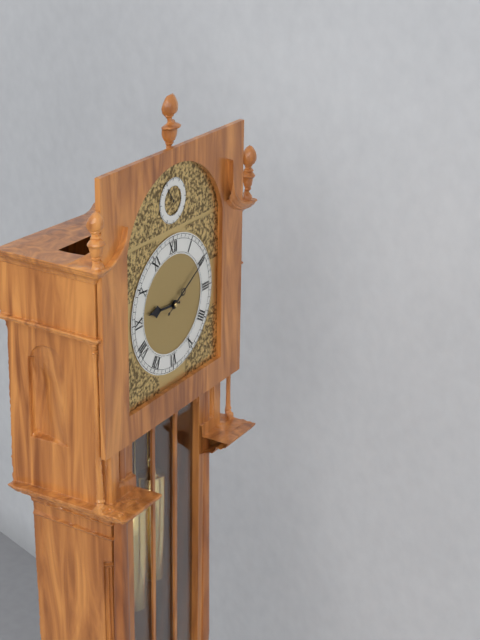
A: 9 h 10 min
